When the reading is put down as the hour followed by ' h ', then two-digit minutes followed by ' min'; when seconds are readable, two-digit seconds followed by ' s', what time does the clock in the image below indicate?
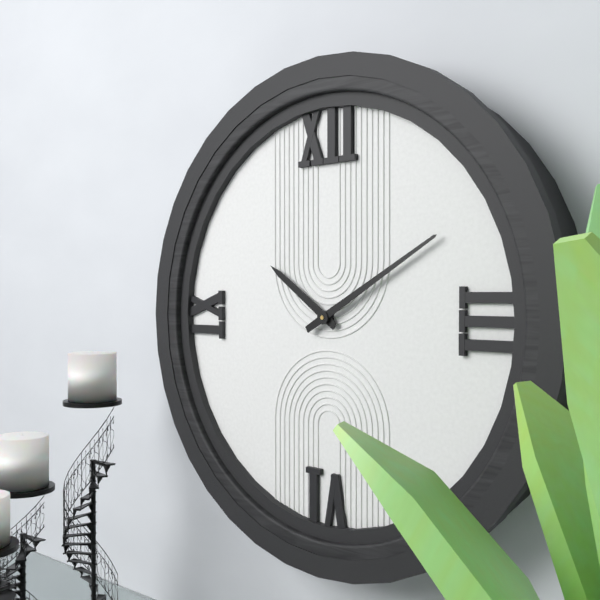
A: 10 h 10 min
